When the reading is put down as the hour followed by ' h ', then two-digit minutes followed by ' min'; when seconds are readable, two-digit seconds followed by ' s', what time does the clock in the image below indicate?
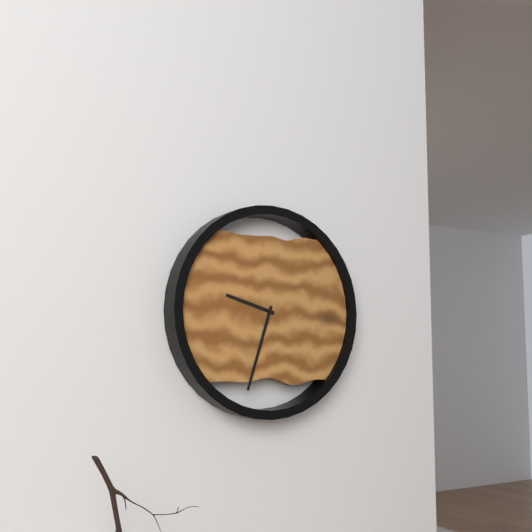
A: 9 h 33 min
